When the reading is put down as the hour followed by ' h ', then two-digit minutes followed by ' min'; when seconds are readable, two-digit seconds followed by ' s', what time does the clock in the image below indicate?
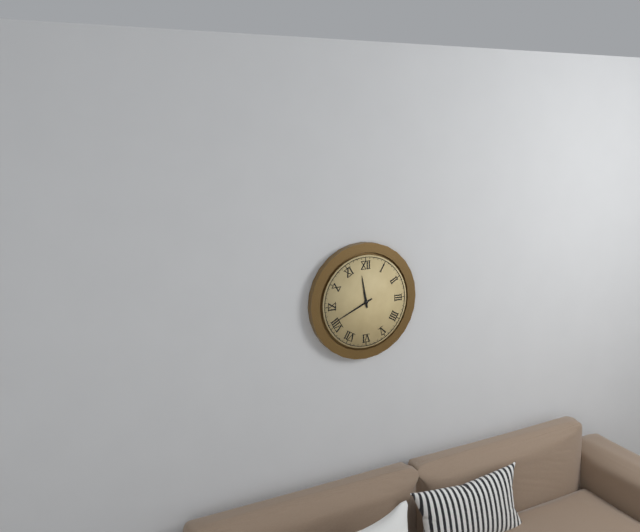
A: 11 h 41 min
